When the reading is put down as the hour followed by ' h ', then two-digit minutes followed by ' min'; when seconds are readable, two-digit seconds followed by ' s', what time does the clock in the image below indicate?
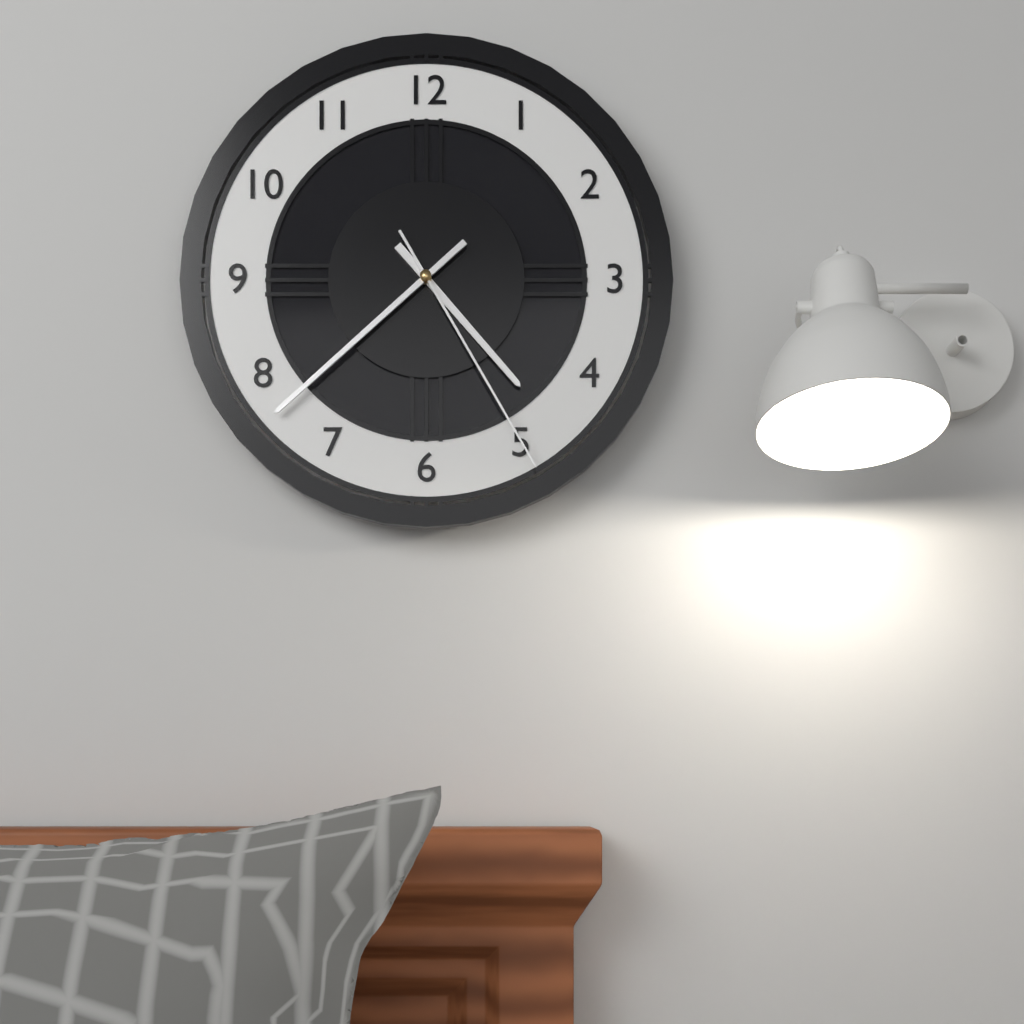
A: 4 h 38 min 25 s
